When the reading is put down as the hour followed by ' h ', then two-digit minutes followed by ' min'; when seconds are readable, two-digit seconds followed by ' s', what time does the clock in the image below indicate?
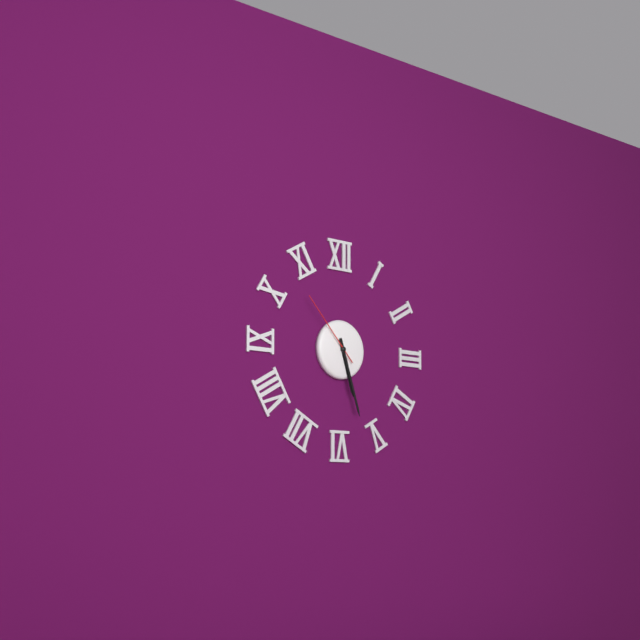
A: 5 h 27 min 53 s
